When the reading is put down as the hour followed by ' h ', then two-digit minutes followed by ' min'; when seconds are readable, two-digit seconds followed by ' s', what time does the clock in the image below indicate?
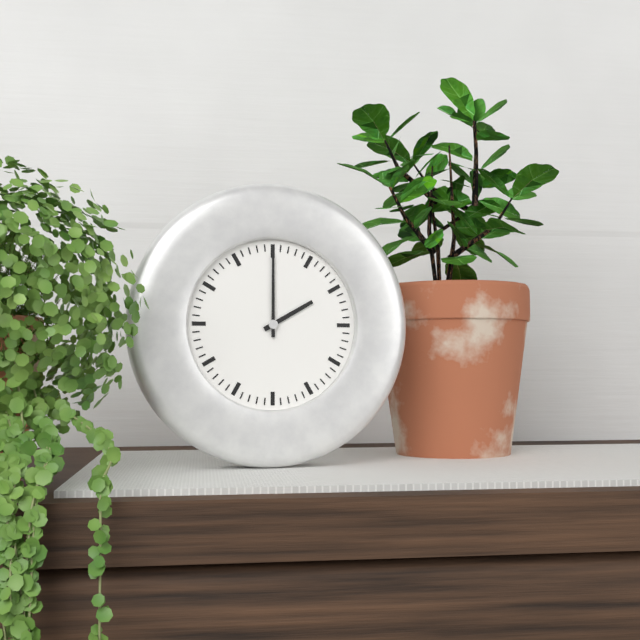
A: 2 h 00 min
